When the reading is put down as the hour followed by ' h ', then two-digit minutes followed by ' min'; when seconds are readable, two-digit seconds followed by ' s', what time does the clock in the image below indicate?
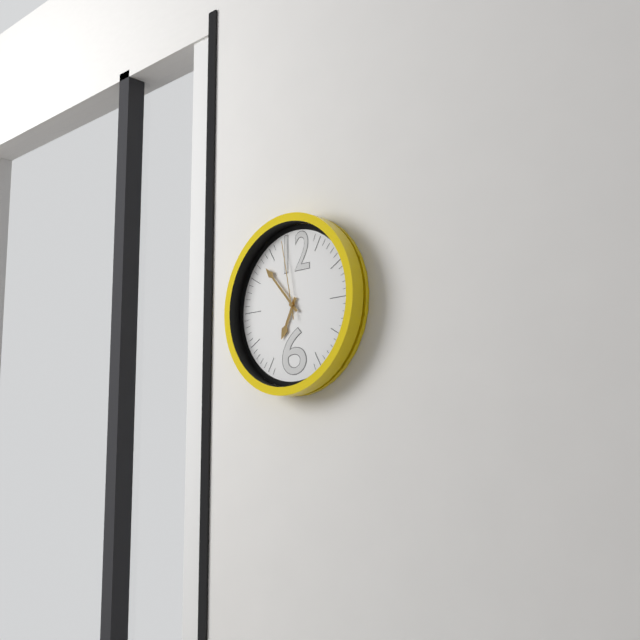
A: 6 h 53 min 58 s
